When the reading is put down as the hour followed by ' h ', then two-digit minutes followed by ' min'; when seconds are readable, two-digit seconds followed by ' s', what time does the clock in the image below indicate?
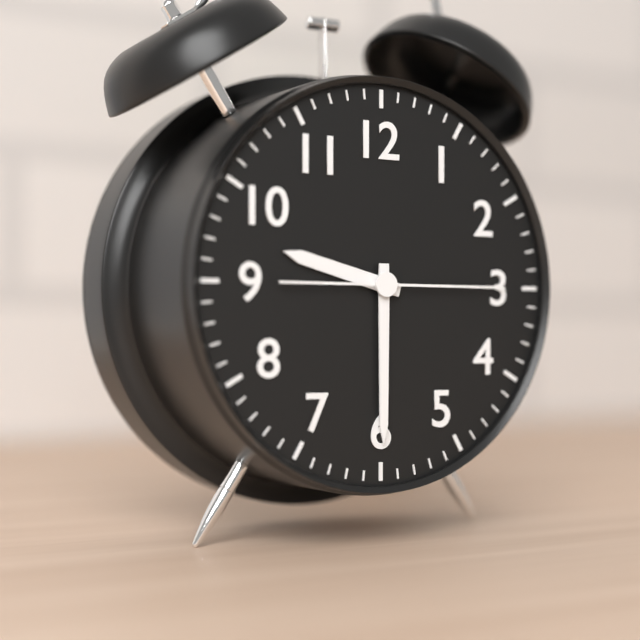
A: 9 h 30 min 15 s
